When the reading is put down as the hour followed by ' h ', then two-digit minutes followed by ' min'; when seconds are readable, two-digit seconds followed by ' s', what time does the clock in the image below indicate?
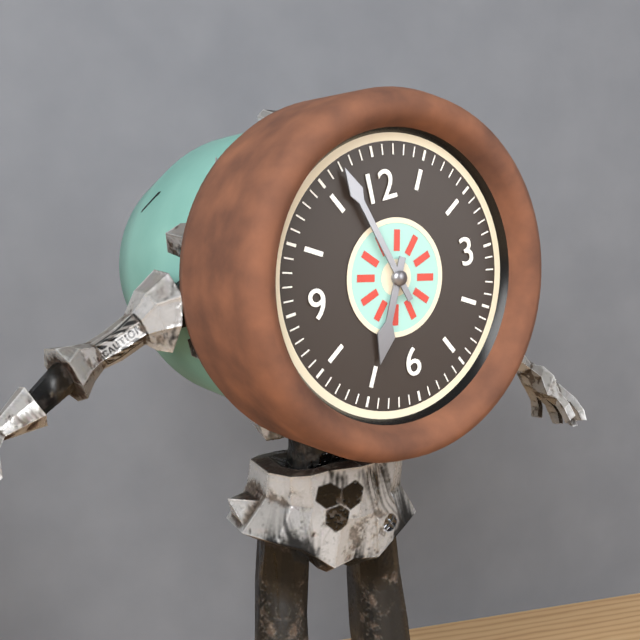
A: 6 h 57 min
